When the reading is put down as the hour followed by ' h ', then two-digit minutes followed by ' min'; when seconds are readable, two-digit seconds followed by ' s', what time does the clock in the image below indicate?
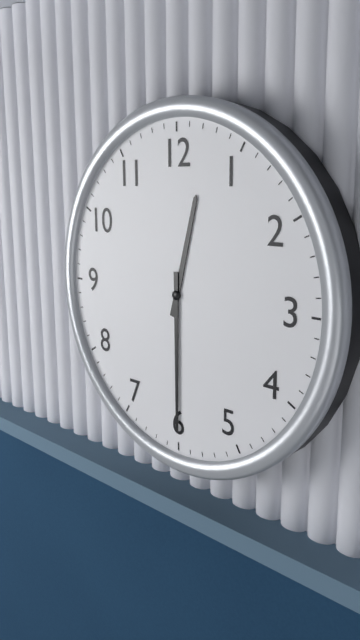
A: 12 h 30 min
